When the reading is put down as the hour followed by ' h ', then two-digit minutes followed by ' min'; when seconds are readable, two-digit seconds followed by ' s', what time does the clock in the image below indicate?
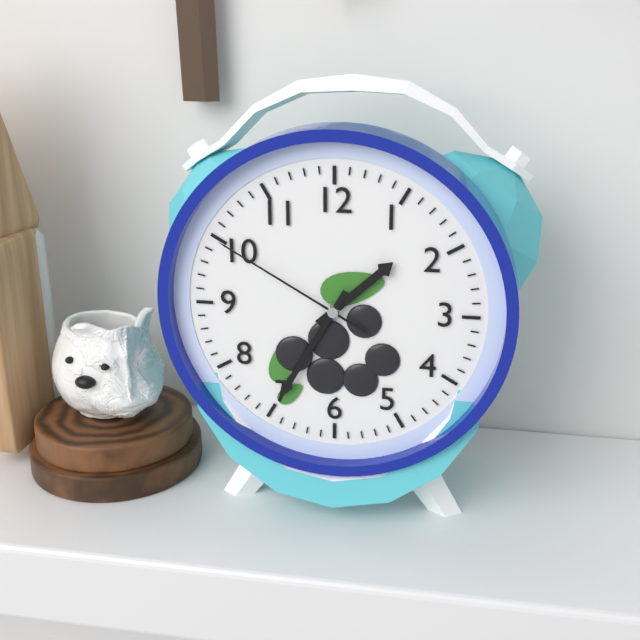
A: 1 h 35 min 50 s
